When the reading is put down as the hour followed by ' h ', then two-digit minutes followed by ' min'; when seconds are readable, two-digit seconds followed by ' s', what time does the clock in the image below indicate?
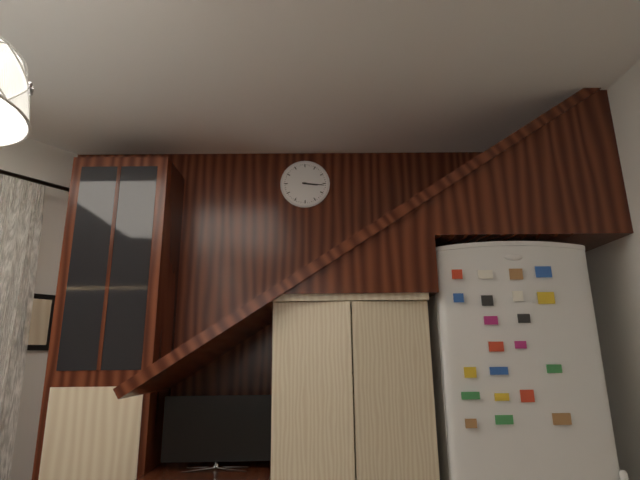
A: 3 h 16 min
